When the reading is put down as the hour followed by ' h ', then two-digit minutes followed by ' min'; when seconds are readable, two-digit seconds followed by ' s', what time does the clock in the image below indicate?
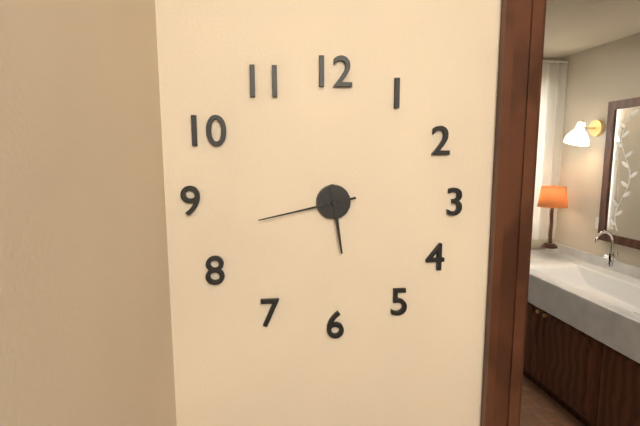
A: 5 h 43 min
